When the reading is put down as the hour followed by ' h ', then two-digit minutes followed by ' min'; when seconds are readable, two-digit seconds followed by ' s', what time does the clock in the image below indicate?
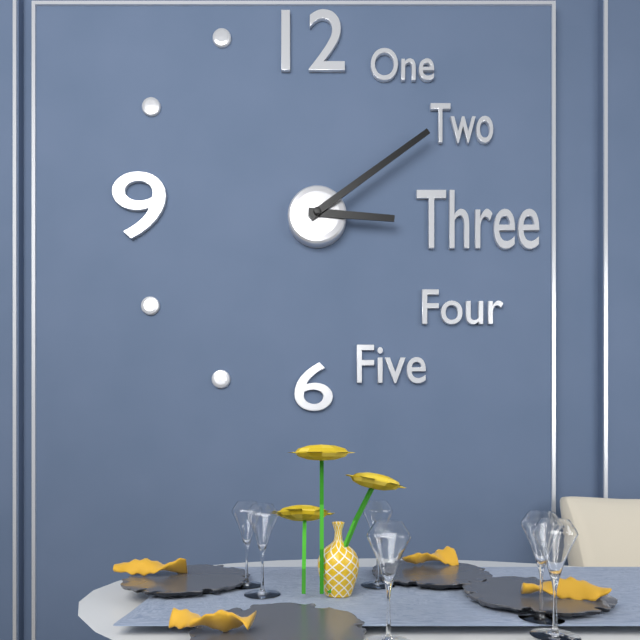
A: 3 h 09 min
